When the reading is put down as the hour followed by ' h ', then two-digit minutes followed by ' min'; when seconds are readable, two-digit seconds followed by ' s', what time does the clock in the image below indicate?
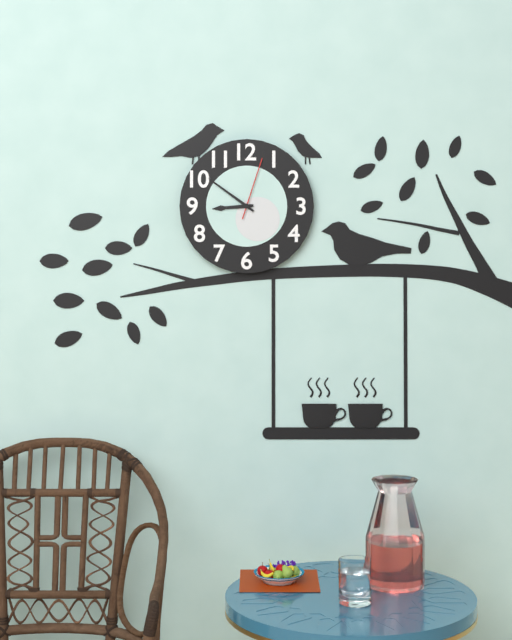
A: 8 h 51 min 03 s
